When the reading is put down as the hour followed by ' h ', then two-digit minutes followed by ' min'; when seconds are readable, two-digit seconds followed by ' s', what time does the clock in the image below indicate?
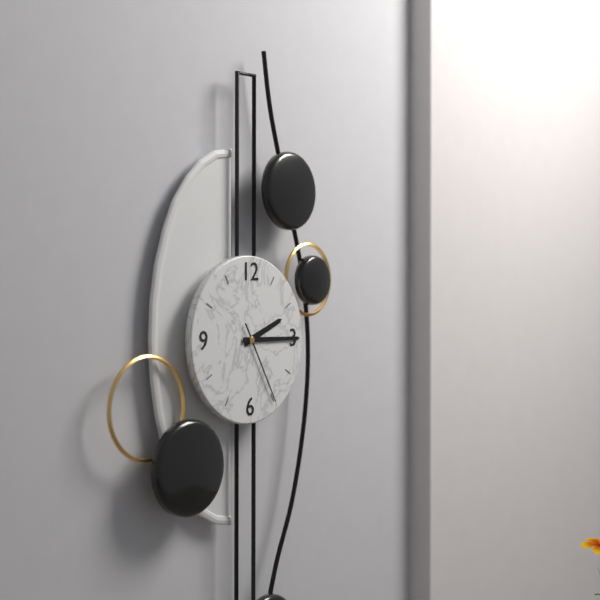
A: 2 h 15 min 25 s
